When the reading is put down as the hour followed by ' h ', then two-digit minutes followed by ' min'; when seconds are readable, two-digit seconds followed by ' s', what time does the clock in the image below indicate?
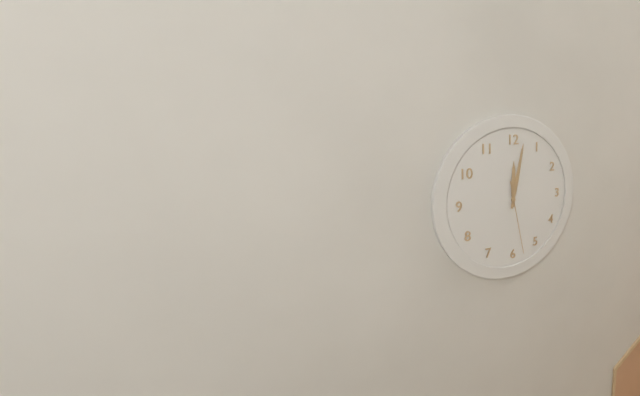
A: 12 h 02 min 28 s
